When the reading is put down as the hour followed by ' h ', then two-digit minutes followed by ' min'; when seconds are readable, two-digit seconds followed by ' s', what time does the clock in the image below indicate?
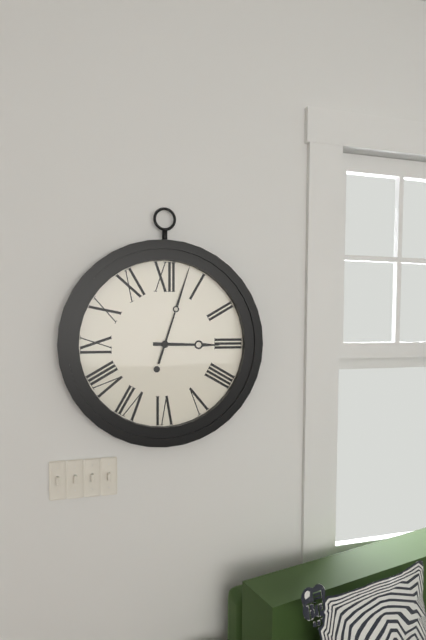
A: 3 h 03 min
